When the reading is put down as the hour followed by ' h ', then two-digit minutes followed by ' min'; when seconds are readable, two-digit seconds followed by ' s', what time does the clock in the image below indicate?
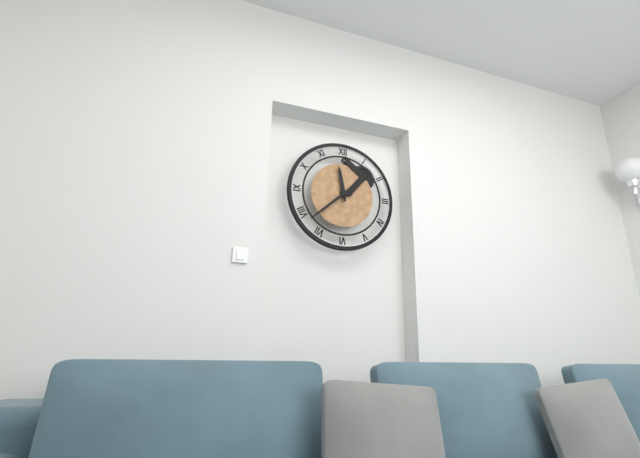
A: 11 h 38 min
